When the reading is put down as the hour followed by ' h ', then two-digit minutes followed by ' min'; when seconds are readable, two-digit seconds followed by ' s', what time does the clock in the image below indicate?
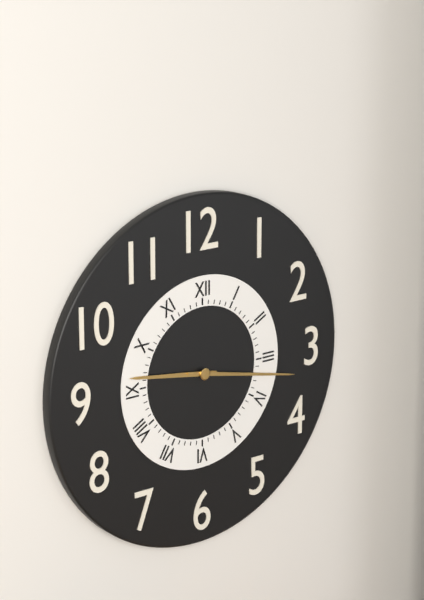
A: 9 h 17 min
